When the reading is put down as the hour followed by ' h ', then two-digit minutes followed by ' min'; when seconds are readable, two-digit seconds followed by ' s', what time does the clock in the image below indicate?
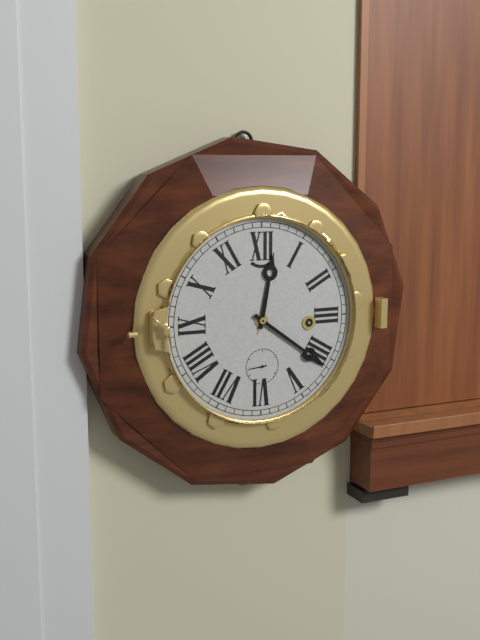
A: 12 h 21 min
